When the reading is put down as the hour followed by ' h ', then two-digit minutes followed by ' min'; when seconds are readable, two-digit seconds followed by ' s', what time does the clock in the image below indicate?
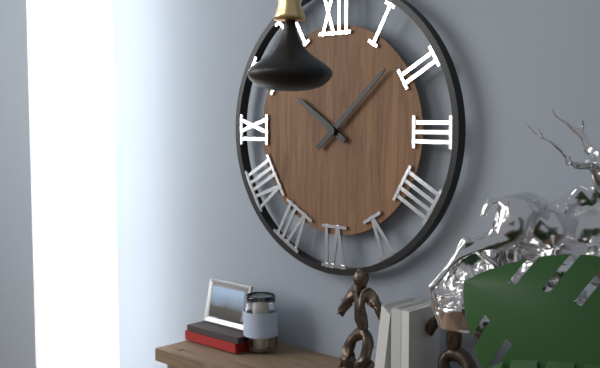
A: 10 h 08 min
